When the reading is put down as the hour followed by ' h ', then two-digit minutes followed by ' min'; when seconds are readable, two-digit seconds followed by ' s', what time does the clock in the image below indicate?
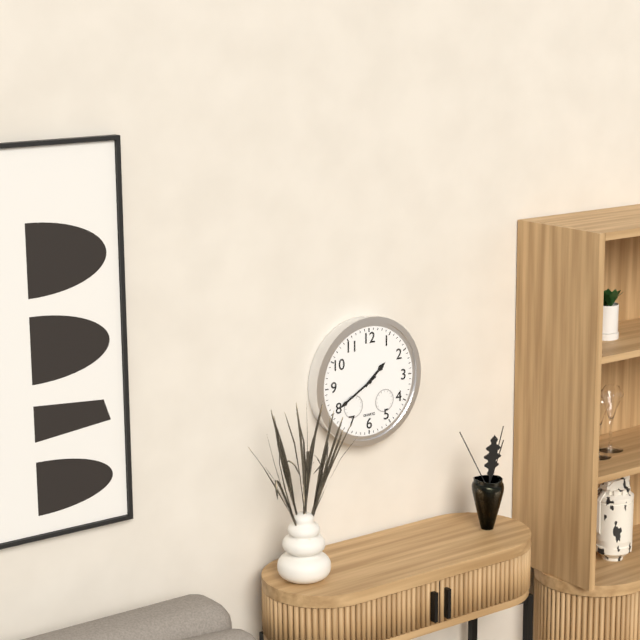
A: 1 h 40 min
